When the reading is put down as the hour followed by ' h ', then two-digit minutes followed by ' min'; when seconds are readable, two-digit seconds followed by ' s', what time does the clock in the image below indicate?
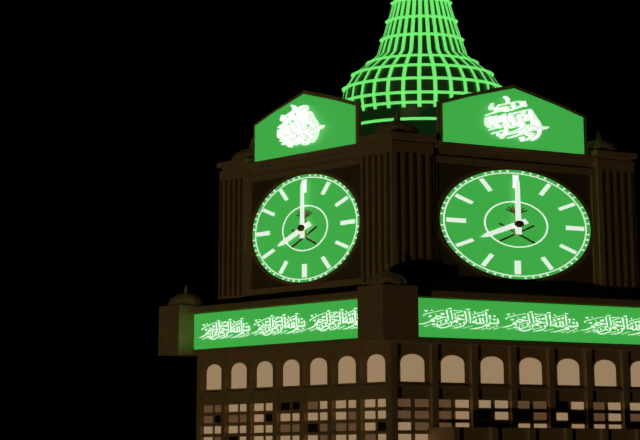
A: 8 h 00 min
